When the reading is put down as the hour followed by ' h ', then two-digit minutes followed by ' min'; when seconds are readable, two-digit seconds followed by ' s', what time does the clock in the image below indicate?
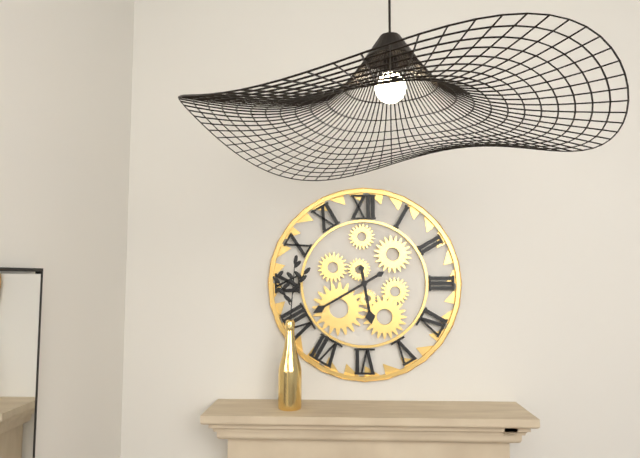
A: 5 h 40 min
